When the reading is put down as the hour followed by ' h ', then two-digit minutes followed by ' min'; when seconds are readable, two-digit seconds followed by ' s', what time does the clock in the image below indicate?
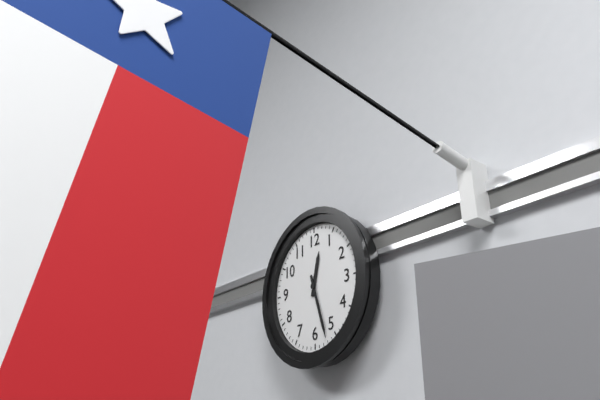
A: 12 h 27 min
